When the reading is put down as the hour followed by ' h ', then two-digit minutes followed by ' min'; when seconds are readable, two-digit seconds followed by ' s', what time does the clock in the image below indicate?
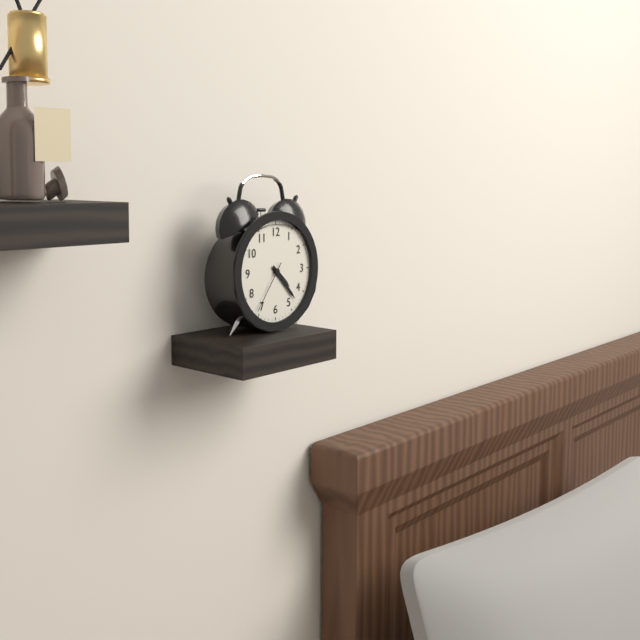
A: 4 h 23 min 36 s
